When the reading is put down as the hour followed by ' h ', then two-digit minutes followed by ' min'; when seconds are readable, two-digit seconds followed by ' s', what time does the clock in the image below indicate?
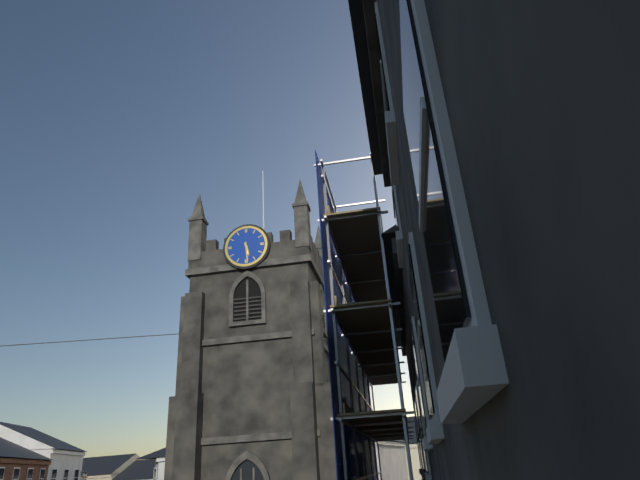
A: 5 h 29 min
